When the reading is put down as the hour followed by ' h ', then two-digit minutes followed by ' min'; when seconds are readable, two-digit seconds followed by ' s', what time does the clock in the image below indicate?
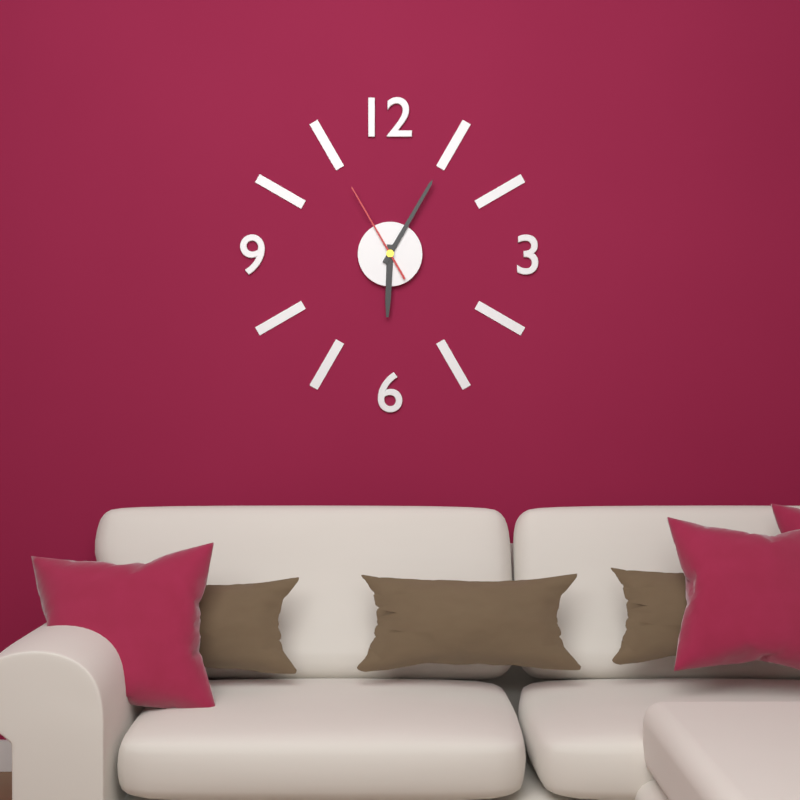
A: 6 h 05 min 55 s
